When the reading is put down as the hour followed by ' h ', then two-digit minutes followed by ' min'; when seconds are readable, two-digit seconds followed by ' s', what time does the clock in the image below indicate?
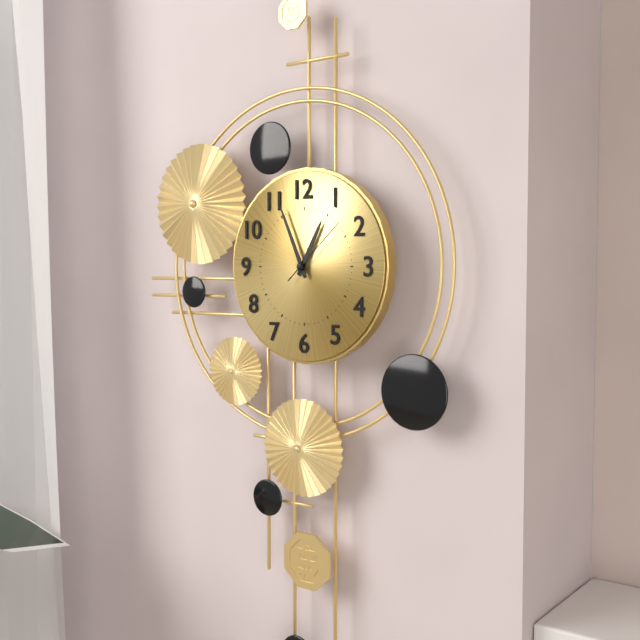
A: 12 h 56 min 08 s
